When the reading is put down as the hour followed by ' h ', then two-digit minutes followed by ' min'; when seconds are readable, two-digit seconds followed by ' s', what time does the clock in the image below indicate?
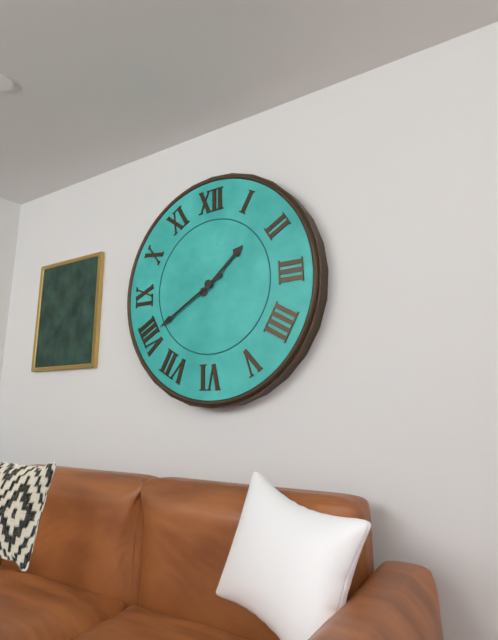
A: 1 h 40 min
